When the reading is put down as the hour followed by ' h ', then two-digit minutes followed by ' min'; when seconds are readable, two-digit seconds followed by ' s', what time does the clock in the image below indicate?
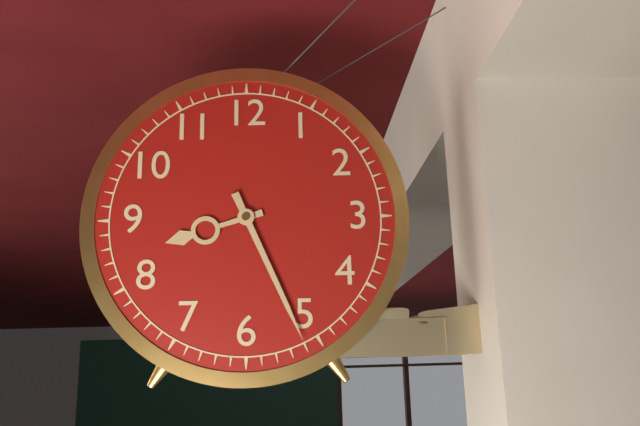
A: 8 h 26 min
